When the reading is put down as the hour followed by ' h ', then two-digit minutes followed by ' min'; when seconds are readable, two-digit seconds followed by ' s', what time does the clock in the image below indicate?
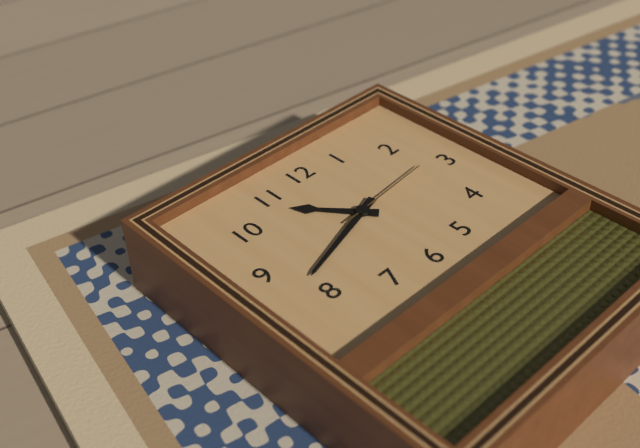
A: 10 h 42 min 14 s
